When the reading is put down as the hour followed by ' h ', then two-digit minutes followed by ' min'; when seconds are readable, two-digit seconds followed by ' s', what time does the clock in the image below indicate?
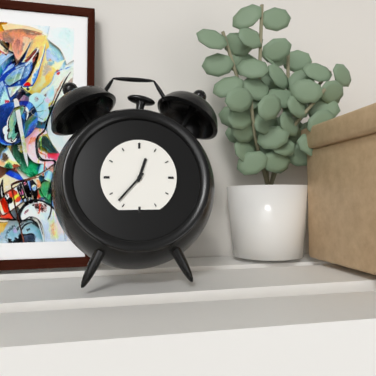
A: 12 h 37 min
